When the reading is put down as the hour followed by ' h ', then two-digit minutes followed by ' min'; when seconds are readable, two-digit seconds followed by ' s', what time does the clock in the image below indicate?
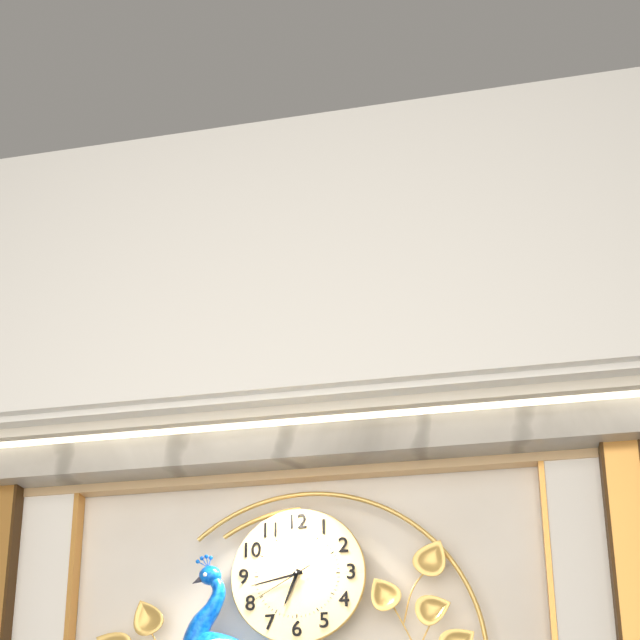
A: 6 h 43 min 40 s
